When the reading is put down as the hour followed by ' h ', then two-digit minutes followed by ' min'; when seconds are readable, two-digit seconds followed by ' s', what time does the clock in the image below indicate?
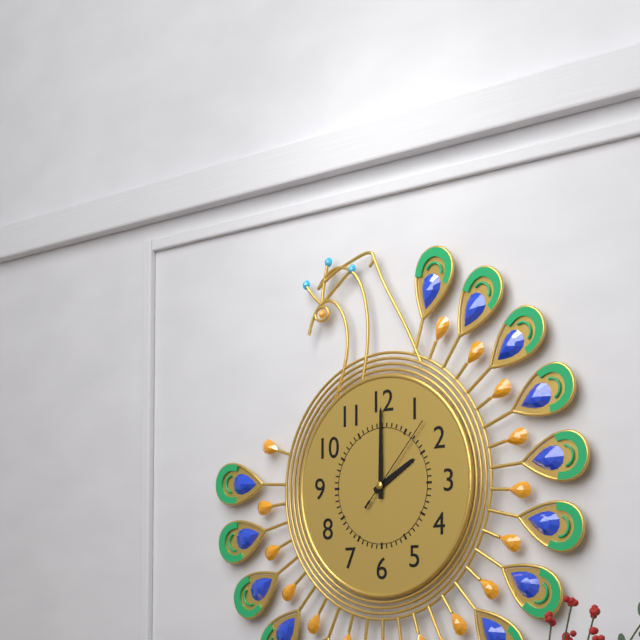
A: 2 h 00 min 07 s
